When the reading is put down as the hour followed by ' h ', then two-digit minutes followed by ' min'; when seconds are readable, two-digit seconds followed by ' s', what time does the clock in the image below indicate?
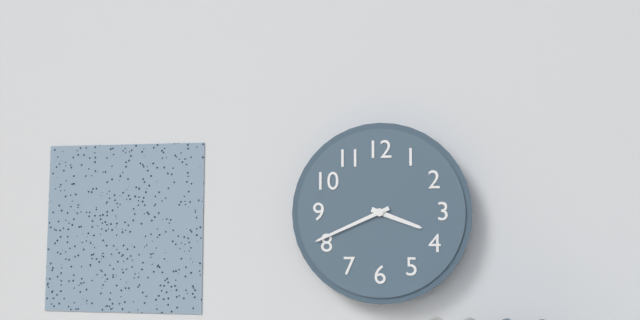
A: 3 h 41 min
